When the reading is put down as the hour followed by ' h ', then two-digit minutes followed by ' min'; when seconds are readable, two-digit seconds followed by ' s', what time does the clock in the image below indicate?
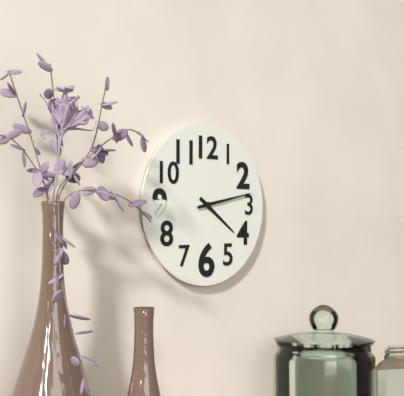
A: 4 h 13 min
